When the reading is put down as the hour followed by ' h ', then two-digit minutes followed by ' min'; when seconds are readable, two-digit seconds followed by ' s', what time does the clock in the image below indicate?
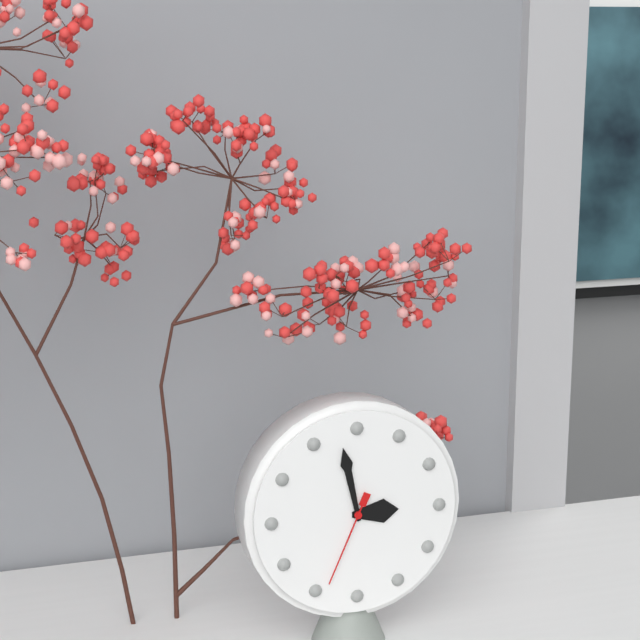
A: 2 h 58 min 34 s
